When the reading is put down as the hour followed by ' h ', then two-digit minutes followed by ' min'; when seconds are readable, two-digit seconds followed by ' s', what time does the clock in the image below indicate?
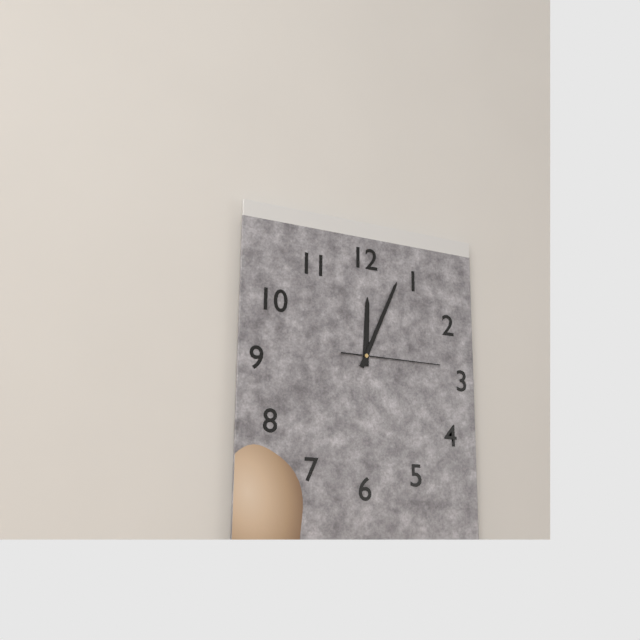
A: 12 h 04 min 15 s
